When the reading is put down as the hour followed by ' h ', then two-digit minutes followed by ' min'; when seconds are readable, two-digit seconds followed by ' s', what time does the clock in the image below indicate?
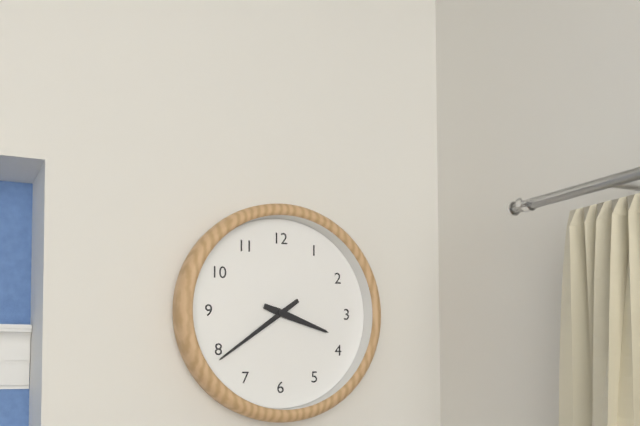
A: 3 h 39 min
